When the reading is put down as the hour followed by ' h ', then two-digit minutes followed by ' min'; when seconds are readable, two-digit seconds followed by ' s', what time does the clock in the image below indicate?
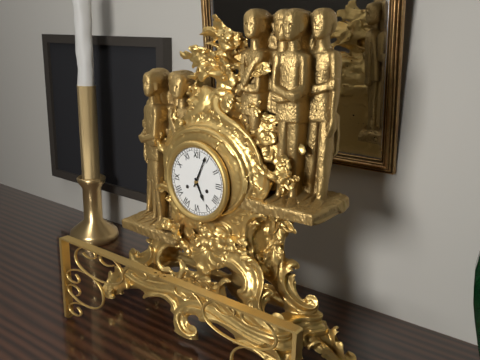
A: 5 h 04 min
